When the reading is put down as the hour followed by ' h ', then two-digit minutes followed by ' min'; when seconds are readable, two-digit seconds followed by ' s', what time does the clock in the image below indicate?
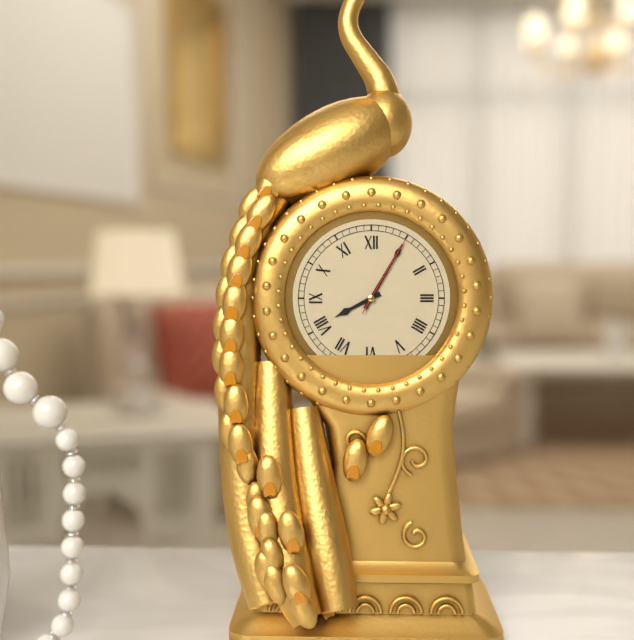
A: 8 h 05 min 05 s
